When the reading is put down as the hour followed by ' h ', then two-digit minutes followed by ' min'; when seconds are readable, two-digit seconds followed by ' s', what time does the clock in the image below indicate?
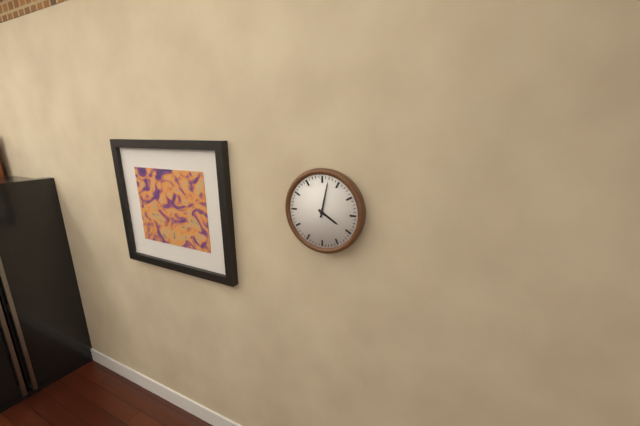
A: 4 h 02 min
